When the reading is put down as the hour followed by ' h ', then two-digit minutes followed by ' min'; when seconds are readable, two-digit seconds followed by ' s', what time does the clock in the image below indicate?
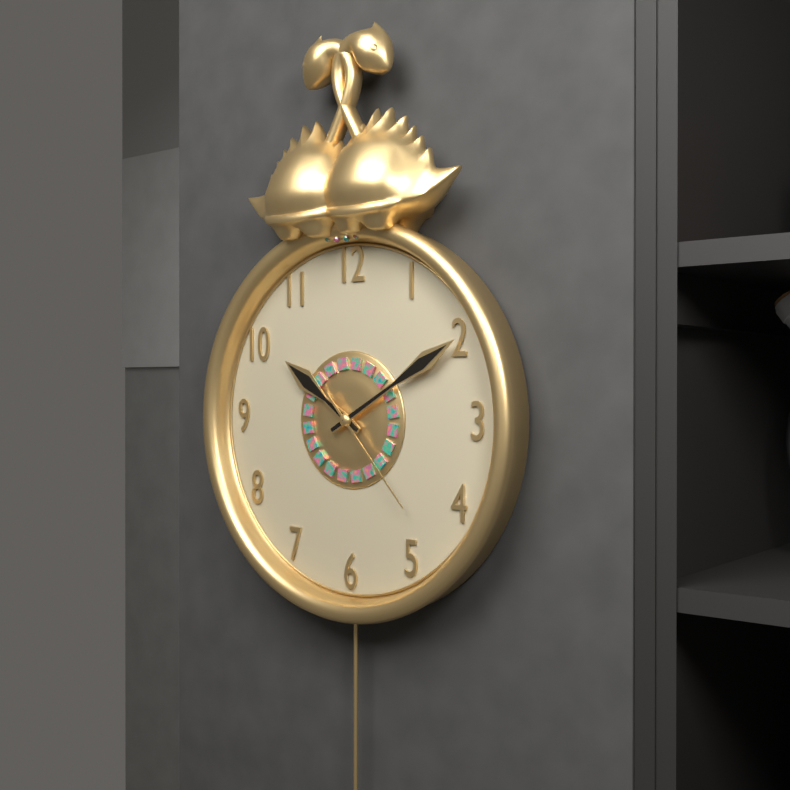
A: 10 h 10 min 23 s
